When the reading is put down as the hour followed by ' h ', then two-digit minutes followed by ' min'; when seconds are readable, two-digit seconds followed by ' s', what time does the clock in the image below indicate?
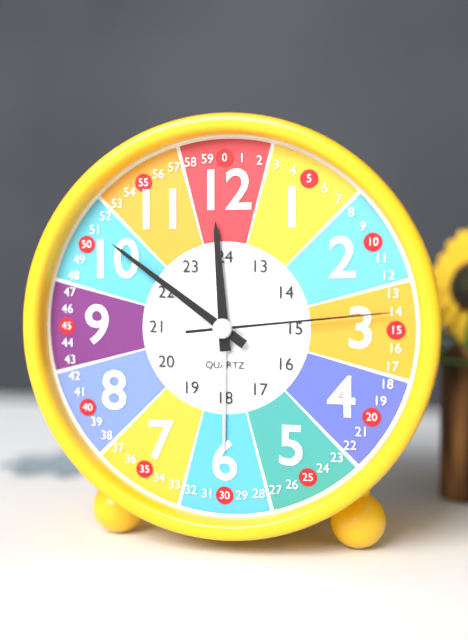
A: 11 h 51 min 14 s
